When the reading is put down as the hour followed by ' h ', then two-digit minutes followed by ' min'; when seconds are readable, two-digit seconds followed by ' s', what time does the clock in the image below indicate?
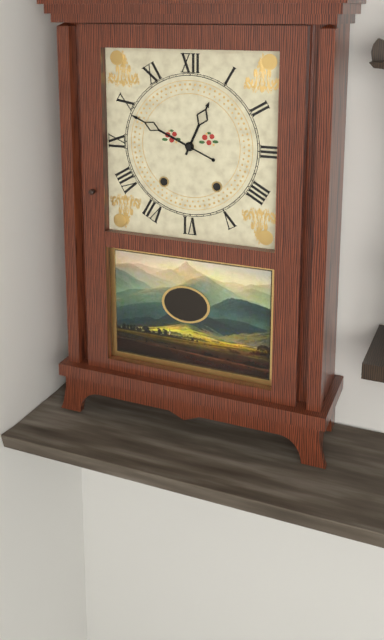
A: 12 h 49 min
